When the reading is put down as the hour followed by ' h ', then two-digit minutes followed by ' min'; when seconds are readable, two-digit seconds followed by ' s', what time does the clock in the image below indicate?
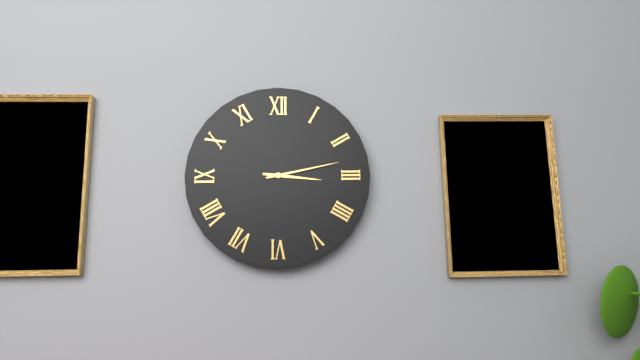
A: 3 h 13 min
